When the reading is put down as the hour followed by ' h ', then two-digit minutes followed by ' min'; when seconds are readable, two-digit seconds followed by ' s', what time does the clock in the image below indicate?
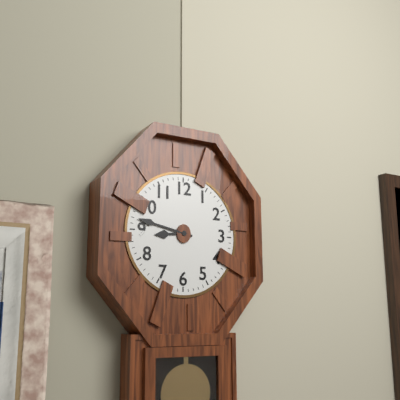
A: 8 h 47 min
